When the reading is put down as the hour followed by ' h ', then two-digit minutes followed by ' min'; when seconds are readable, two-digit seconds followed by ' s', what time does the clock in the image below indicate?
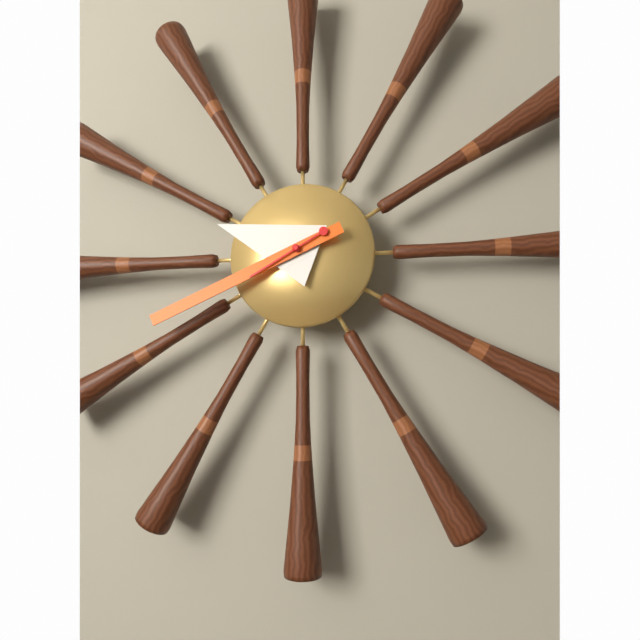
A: 9 h 41 min 40 s
